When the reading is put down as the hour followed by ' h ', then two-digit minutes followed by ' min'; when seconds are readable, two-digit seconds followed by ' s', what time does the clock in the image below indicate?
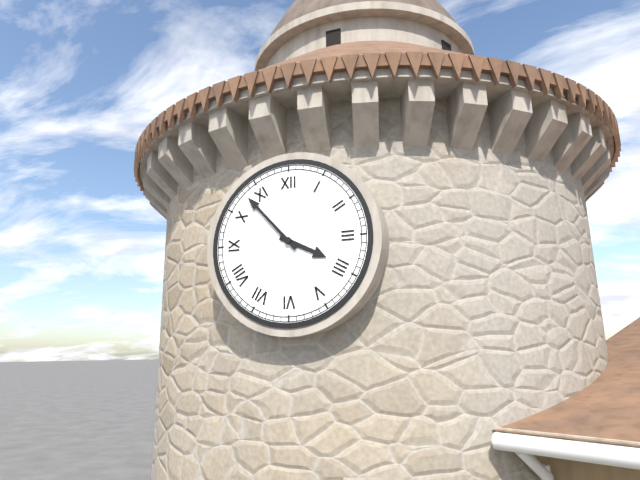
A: 3 h 53 min
